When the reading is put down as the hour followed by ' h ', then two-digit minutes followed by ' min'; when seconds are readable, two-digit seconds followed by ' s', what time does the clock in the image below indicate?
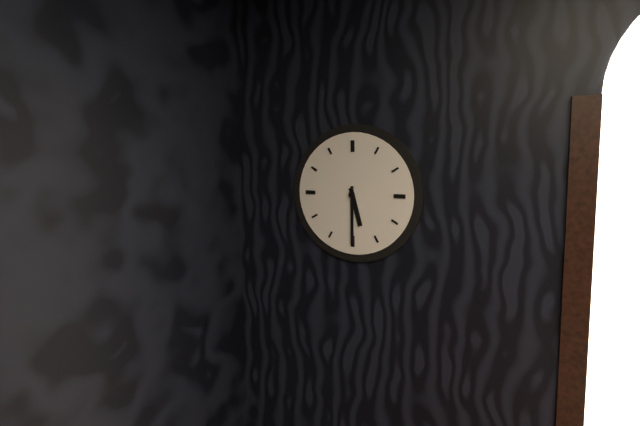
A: 5 h 30 min
